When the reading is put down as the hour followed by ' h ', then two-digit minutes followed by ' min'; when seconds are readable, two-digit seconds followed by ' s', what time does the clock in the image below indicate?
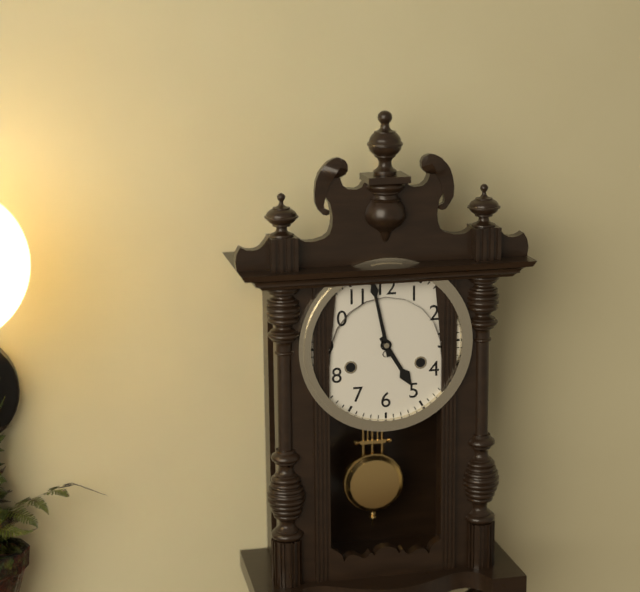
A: 4 h 58 min
